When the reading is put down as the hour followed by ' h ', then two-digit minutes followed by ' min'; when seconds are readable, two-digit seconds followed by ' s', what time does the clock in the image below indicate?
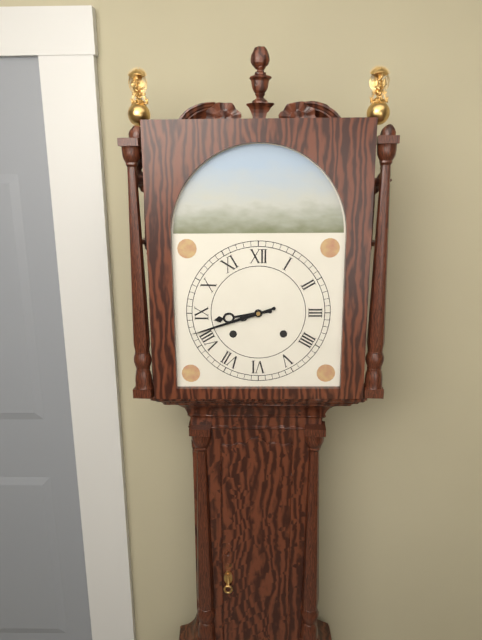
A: 8 h 42 min
